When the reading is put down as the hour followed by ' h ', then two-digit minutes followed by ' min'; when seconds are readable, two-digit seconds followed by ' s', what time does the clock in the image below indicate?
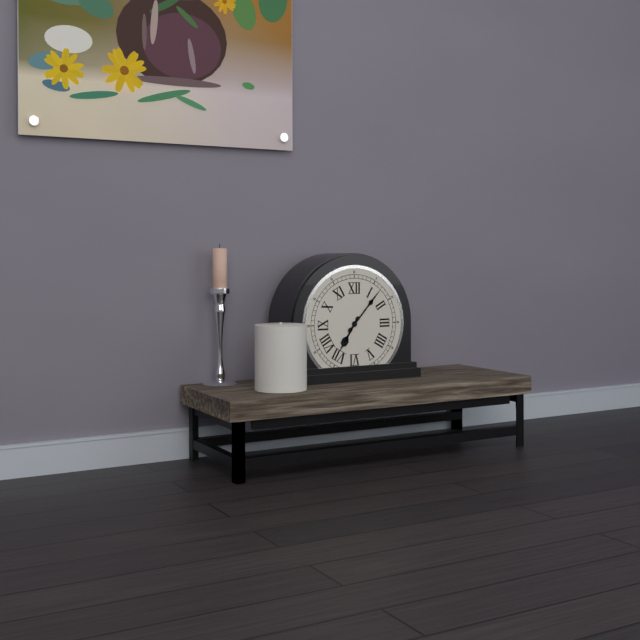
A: 7 h 07 min
